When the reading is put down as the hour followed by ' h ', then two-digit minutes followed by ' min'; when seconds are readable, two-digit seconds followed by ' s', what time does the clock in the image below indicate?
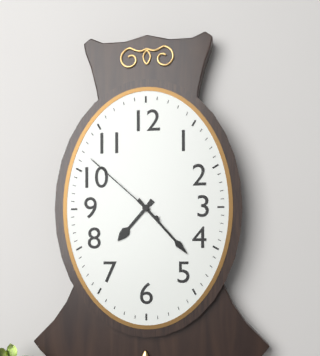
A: 7 h 23 min 52 s
